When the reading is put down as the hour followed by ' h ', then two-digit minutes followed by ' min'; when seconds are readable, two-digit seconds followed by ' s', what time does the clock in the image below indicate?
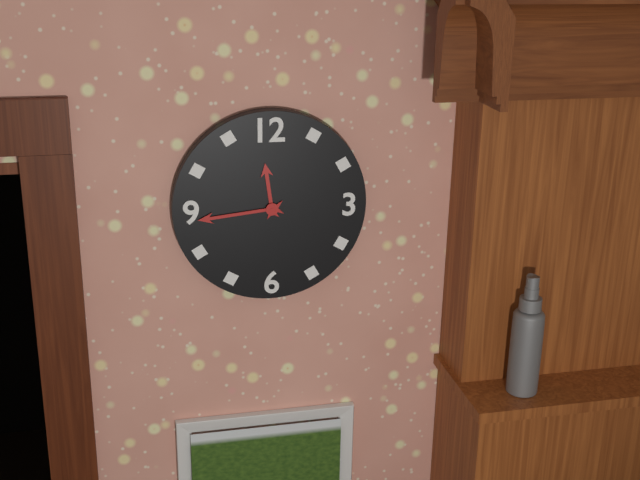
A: 11 h 44 min
